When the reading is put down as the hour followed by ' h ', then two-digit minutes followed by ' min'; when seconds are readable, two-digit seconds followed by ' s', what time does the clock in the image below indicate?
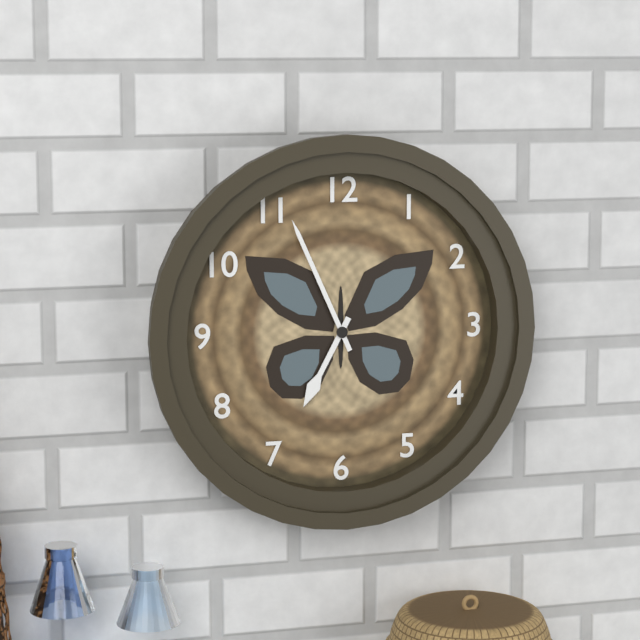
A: 6 h 56 min
